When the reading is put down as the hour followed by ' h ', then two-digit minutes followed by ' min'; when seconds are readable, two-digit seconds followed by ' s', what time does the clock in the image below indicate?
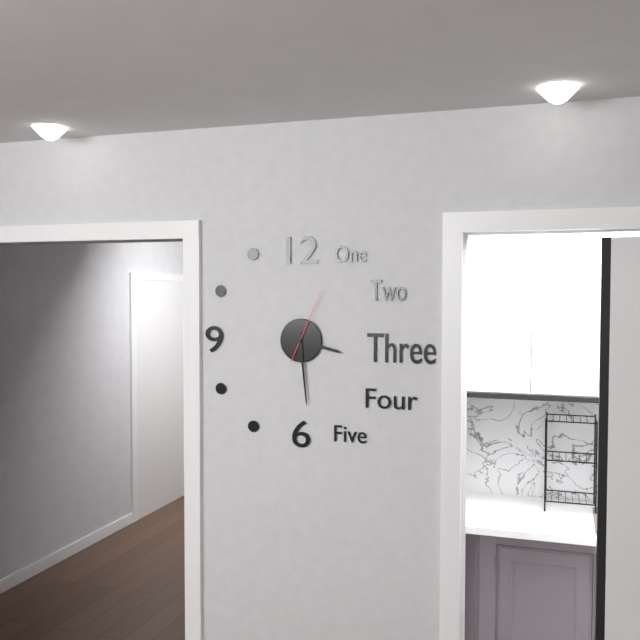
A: 3 h 29 min 04 s
